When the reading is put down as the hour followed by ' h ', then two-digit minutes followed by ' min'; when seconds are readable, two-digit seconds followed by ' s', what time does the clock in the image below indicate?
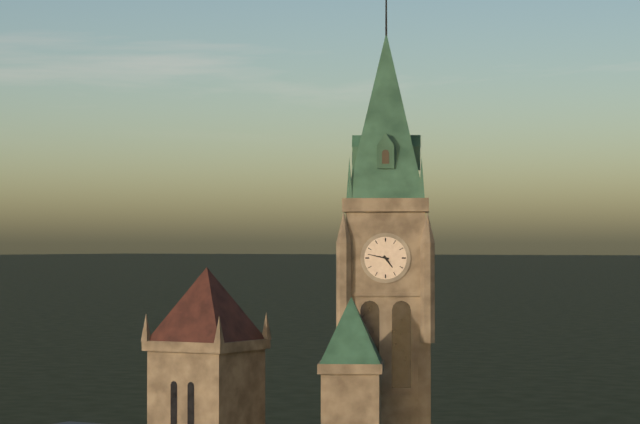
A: 4 h 47 min
